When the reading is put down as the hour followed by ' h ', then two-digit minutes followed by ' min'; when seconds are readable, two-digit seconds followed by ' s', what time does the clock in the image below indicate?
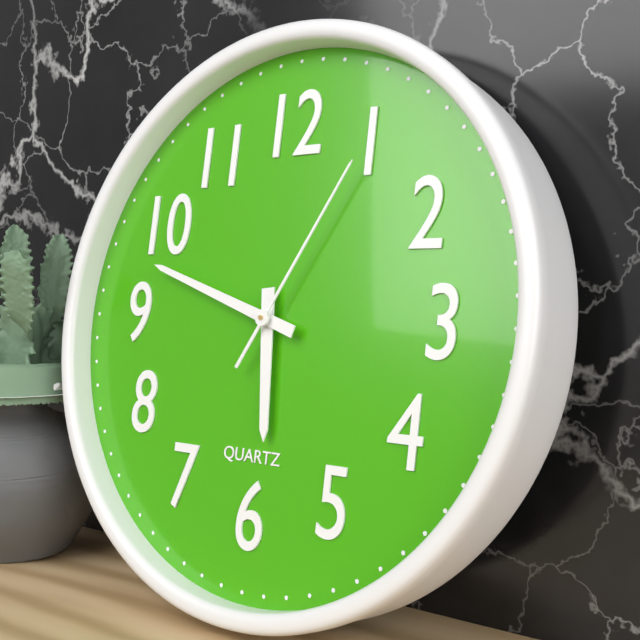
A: 5 h 48 min 05 s
